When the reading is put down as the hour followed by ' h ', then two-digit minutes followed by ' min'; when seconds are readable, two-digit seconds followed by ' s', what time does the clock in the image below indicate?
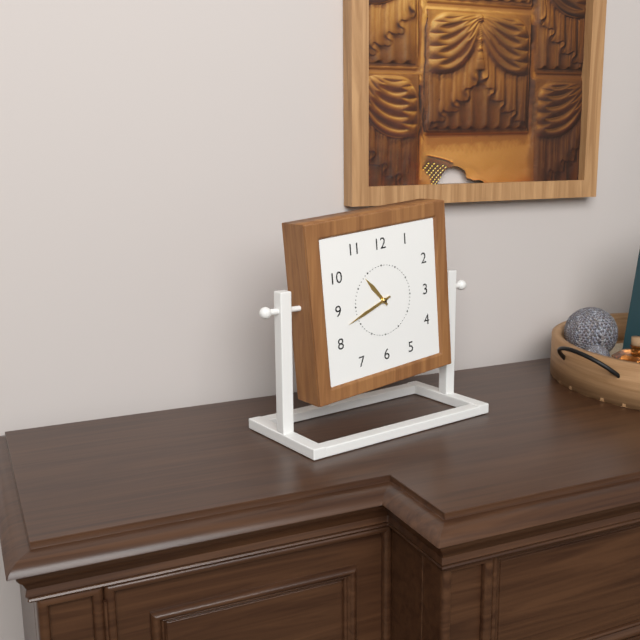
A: 10 h 42 min
